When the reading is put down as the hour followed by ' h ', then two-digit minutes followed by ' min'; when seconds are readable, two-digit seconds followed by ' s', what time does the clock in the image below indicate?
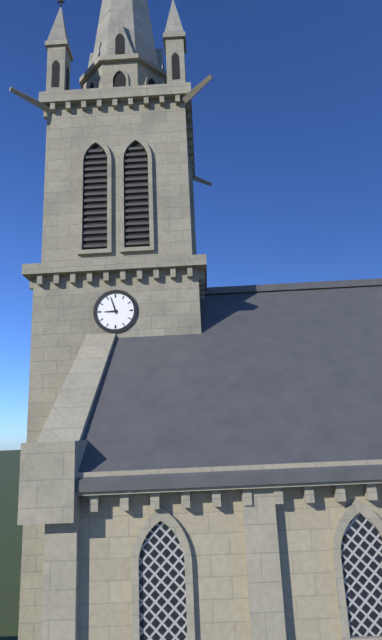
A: 8 h 57 min
